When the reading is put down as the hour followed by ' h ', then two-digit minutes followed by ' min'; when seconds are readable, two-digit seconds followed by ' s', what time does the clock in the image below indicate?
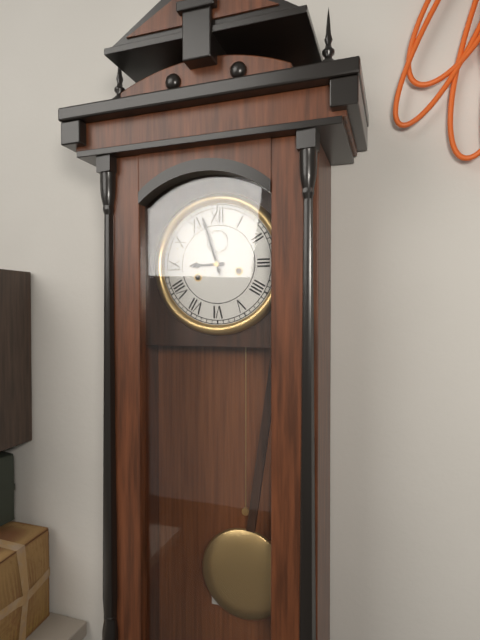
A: 8 h 57 min
